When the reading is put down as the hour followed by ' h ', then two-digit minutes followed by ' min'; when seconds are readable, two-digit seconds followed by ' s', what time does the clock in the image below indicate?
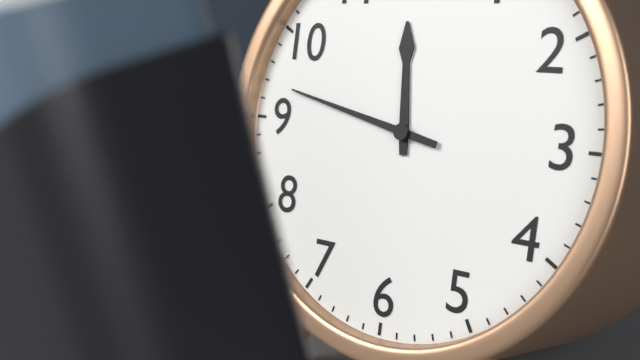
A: 11 h 47 min
